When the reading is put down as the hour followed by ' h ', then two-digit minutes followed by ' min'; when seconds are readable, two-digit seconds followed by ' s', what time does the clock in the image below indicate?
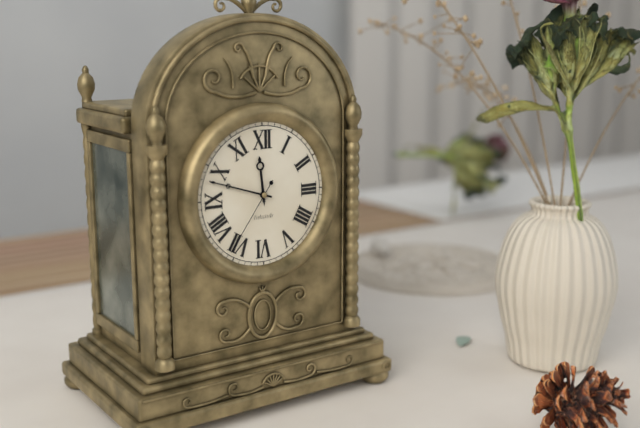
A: 11 h 48 min 36 s
